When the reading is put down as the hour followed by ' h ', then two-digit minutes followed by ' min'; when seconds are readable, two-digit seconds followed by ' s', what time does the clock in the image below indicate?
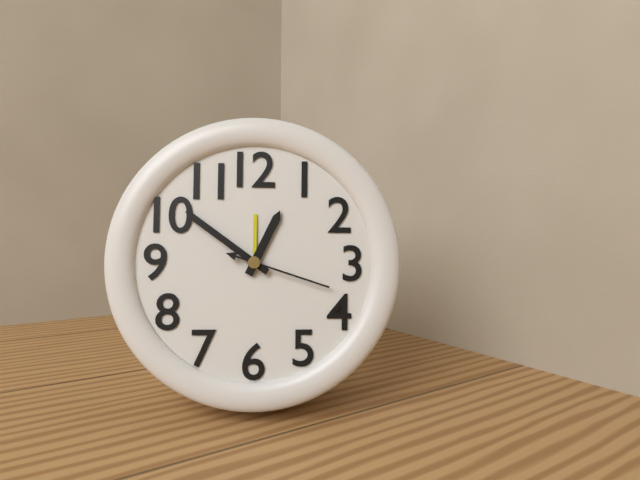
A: 12 h 51 min 18 s
